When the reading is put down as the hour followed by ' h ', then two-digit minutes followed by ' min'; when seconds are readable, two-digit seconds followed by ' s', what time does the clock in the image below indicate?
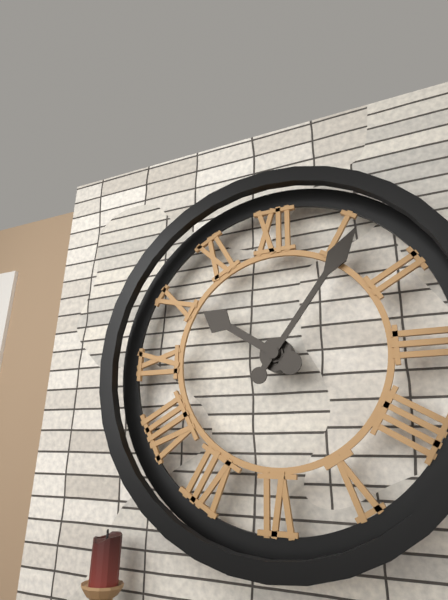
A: 10 h 06 min
